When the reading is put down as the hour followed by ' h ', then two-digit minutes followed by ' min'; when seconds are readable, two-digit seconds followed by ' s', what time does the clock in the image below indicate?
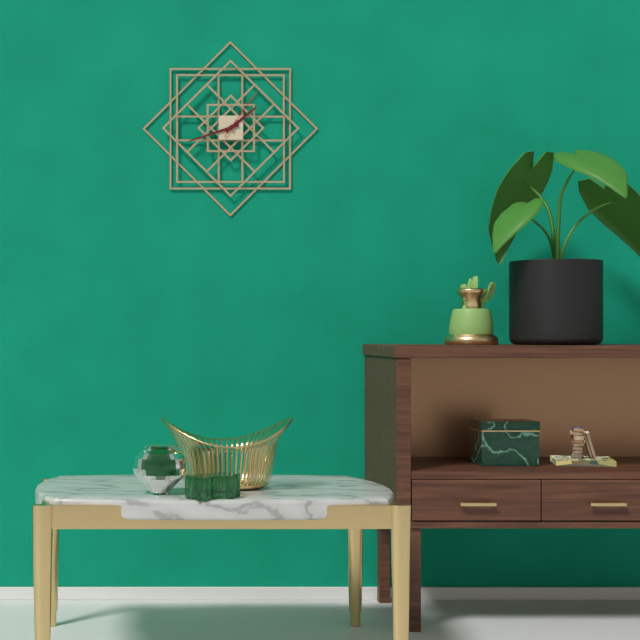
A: 1 h 42 min 06 s
